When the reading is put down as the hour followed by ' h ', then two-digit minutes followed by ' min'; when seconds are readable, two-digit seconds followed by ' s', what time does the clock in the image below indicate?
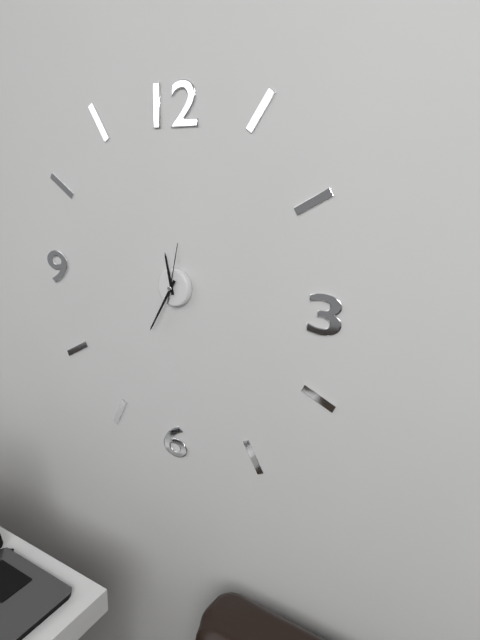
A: 11 h 35 min 02 s
